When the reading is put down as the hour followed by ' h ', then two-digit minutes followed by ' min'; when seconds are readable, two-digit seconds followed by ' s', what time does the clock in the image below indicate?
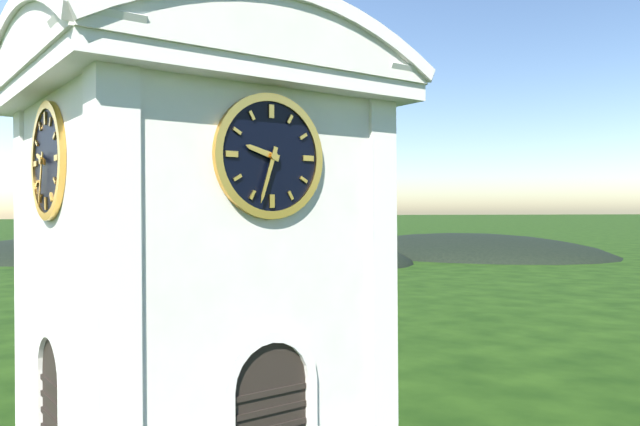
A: 9 h 33 min
